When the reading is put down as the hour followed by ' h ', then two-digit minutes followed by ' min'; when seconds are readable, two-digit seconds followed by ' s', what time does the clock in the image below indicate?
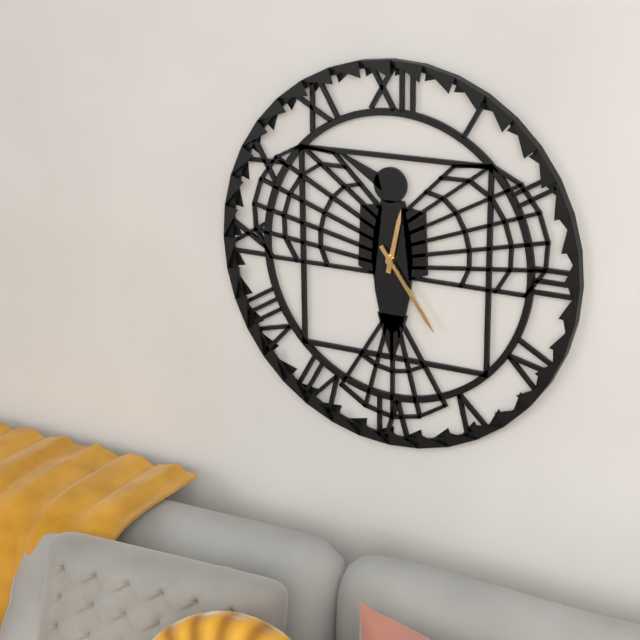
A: 12 h 24 min
